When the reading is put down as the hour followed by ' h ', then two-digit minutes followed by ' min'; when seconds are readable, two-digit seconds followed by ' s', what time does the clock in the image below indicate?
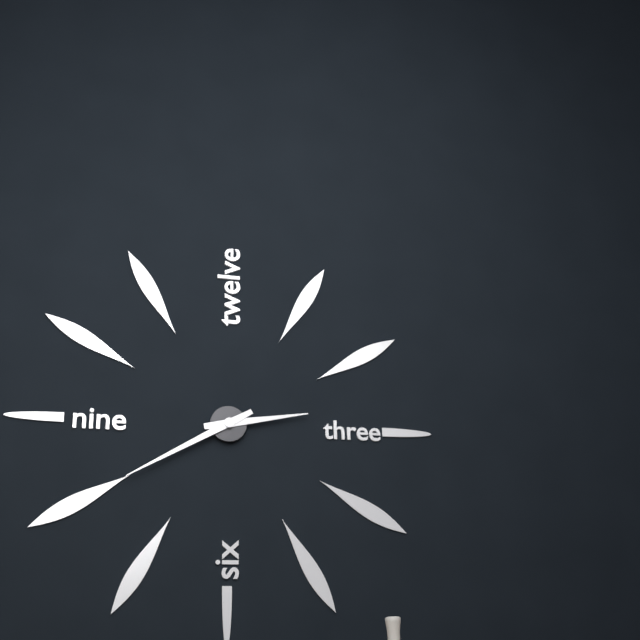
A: 2 h 40 min
